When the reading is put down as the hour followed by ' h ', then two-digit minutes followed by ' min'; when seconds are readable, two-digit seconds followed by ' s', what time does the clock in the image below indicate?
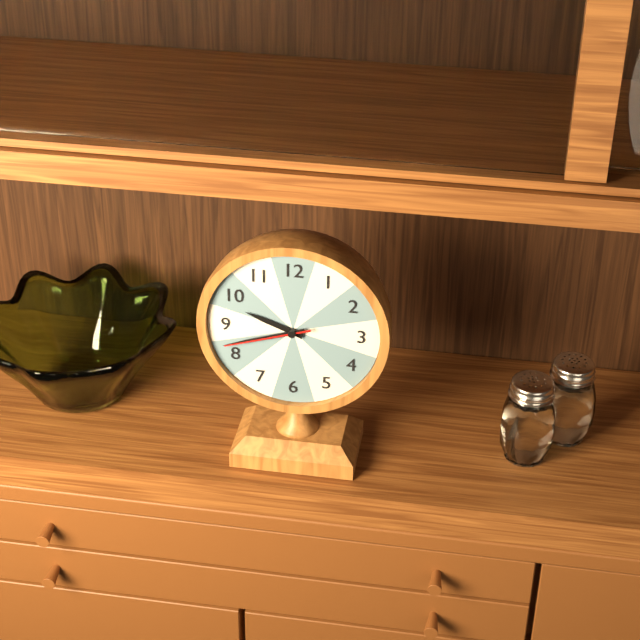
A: 9 h 42 min 42 s
